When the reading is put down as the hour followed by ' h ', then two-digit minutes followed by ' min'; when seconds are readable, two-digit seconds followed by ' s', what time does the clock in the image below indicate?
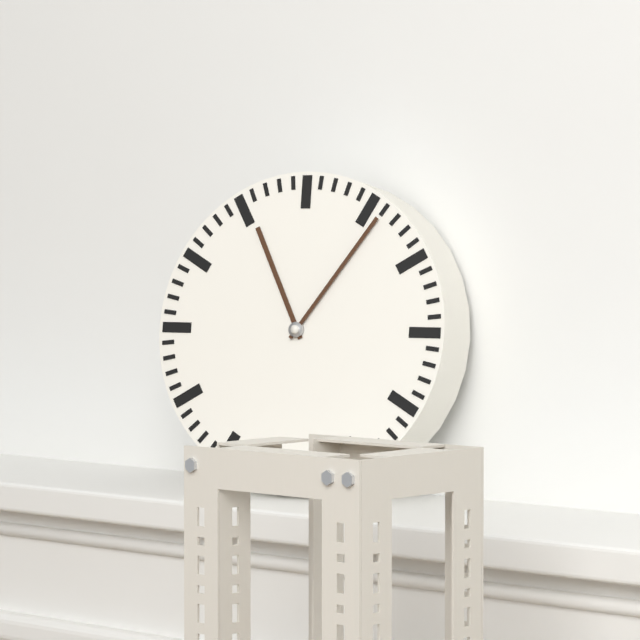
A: 11 h 06 min
